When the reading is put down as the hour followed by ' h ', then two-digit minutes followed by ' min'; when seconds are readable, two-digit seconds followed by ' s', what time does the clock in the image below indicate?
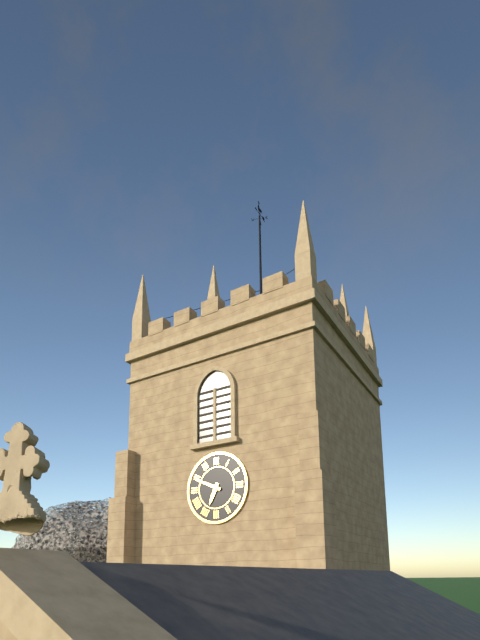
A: 6 h 49 min
